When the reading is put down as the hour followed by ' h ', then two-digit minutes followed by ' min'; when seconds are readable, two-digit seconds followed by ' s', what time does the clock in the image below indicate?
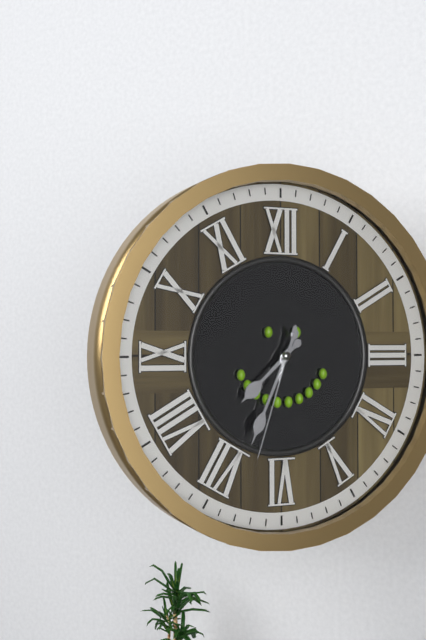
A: 7 h 34 min 33 s
